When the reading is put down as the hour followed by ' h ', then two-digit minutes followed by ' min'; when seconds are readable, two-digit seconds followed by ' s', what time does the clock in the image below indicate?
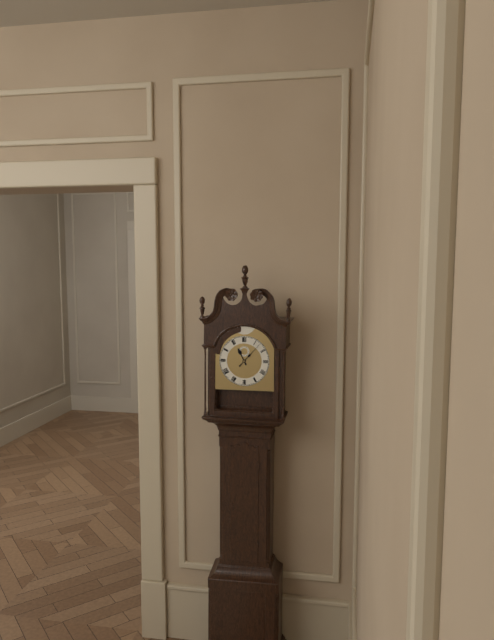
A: 11 h 07 min
